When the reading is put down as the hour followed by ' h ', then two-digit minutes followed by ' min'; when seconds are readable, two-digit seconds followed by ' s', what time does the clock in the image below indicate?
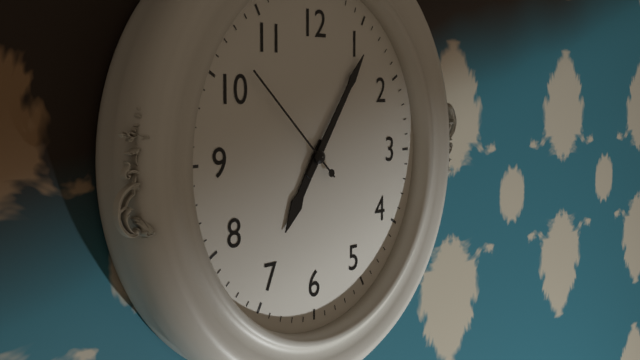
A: 7 h 06 min 52 s
